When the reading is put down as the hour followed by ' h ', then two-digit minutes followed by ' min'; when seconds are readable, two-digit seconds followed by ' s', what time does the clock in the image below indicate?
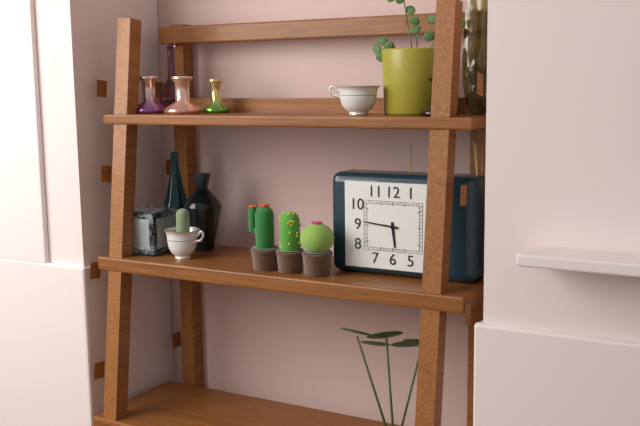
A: 5 h 46 min
